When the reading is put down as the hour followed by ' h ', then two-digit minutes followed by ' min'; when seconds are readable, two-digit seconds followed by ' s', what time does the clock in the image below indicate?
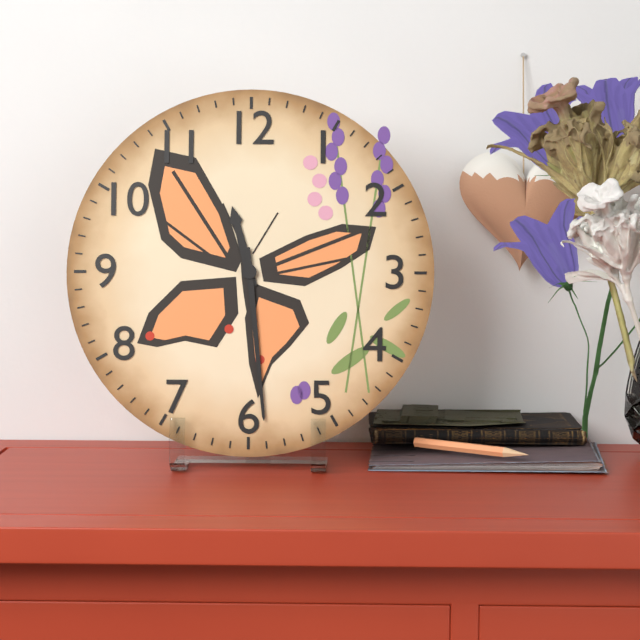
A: 11 h 29 min
